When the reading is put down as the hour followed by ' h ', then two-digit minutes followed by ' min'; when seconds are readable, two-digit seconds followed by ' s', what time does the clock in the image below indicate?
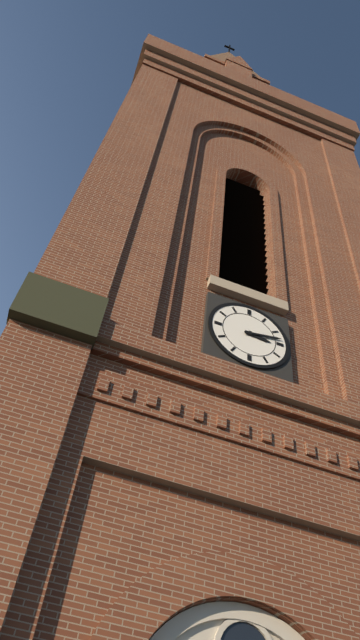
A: 3 h 13 min
